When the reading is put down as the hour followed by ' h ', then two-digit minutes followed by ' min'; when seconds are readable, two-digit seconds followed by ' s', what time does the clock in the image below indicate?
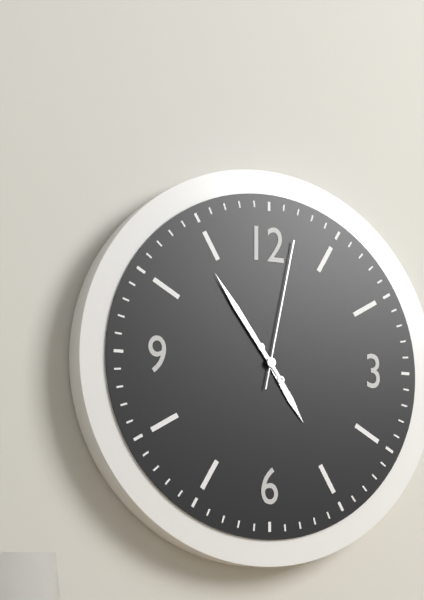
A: 4 h 54 min 02 s
